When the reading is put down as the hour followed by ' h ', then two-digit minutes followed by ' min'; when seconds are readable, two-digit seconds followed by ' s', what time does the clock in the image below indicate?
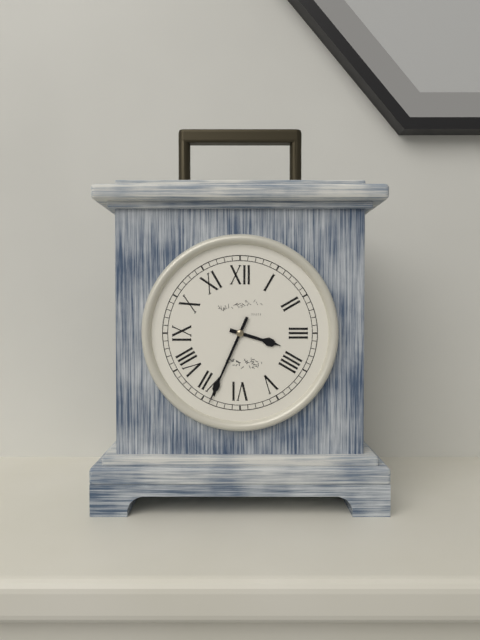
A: 3 h 34 min
